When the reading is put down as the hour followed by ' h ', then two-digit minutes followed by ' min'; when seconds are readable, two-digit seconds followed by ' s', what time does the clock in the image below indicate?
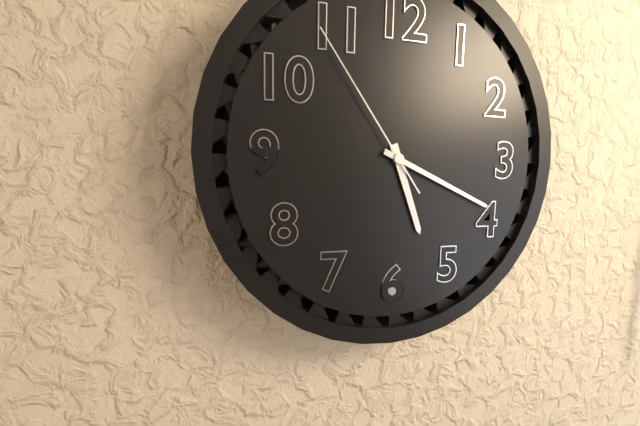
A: 5 h 19 min 54 s
